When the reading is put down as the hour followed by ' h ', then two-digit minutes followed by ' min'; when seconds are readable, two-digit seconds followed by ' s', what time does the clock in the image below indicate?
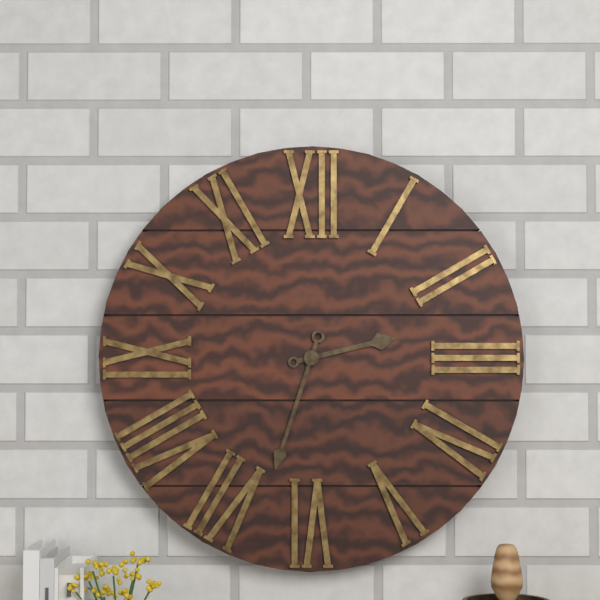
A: 2 h 33 min
